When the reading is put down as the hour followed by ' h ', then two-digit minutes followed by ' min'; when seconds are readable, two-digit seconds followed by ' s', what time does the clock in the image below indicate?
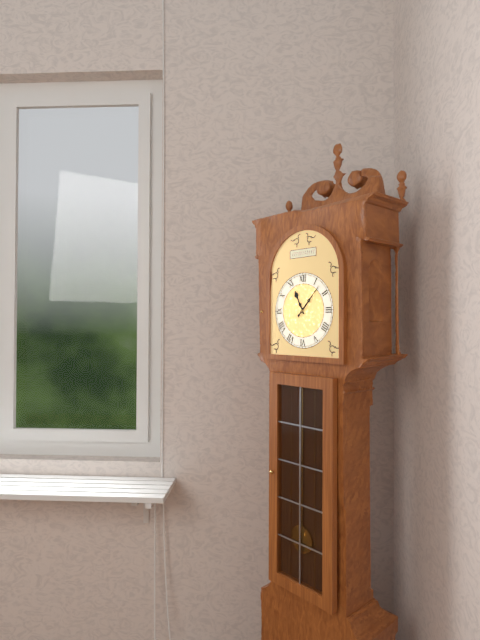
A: 11 h 07 min
